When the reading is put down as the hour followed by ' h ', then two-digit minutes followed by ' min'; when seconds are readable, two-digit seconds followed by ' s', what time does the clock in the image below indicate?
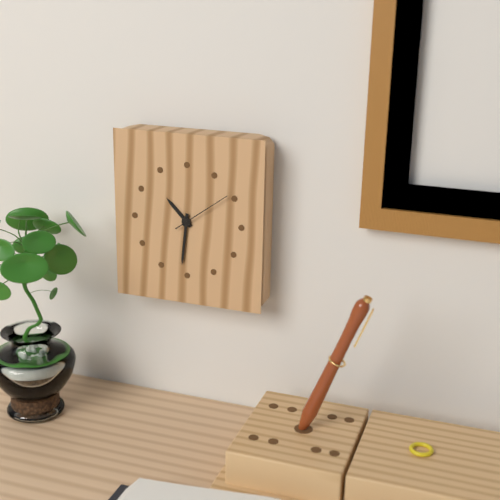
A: 10 h 31 min 09 s
